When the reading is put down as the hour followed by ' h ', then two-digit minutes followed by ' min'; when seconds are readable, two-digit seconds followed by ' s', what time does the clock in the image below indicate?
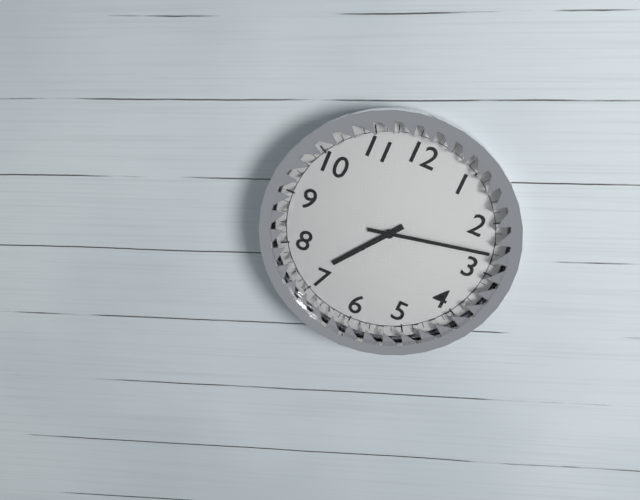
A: 7 h 13 min
